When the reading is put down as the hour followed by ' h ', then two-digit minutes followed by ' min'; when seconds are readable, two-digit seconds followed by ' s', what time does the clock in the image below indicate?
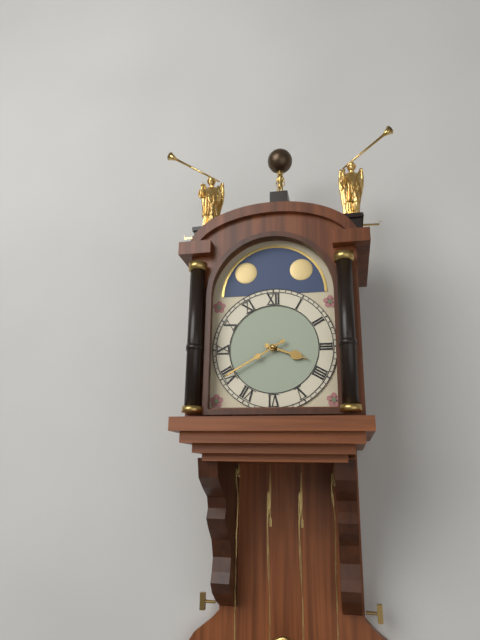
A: 3 h 40 min
